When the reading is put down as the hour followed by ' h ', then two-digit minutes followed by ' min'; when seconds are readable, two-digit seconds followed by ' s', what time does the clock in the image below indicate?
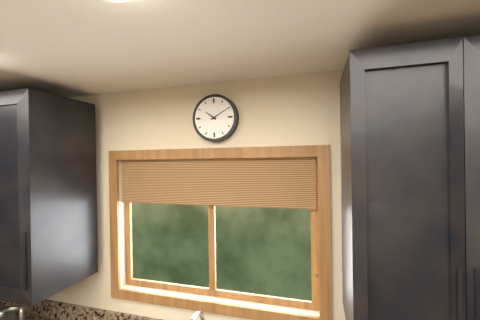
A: 10 h 10 min
